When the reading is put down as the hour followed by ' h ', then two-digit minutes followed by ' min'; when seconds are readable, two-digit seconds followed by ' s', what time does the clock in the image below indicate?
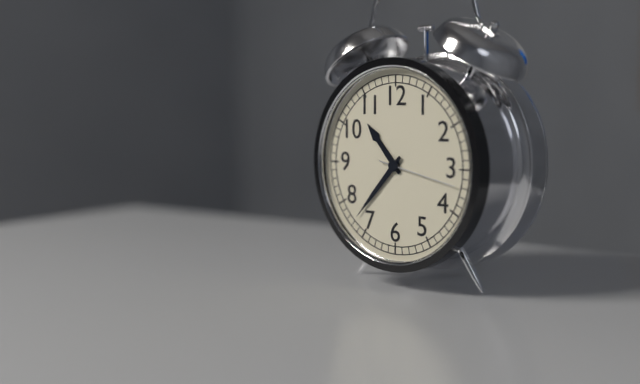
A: 10 h 37 min 17 s
